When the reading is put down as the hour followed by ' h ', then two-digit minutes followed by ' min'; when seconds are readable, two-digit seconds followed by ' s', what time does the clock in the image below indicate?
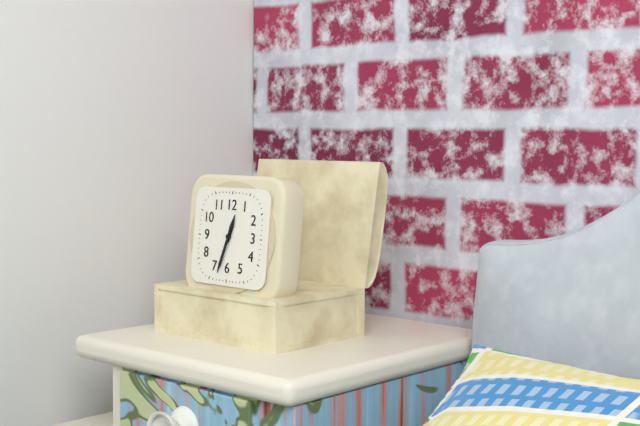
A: 12 h 33 min
